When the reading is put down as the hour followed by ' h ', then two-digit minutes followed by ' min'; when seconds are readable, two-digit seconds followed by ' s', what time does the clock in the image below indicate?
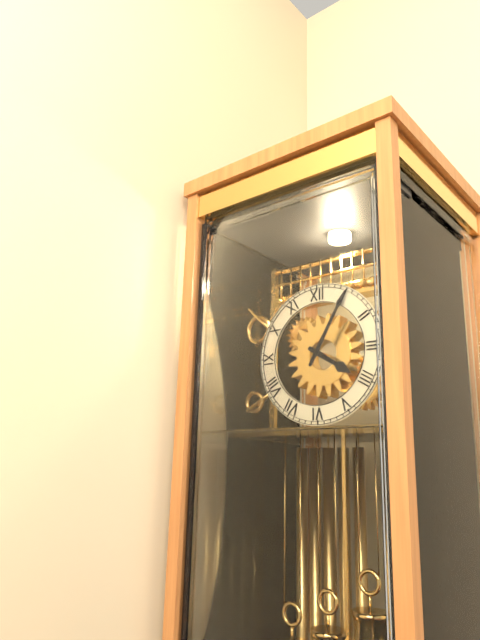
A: 4 h 05 min
